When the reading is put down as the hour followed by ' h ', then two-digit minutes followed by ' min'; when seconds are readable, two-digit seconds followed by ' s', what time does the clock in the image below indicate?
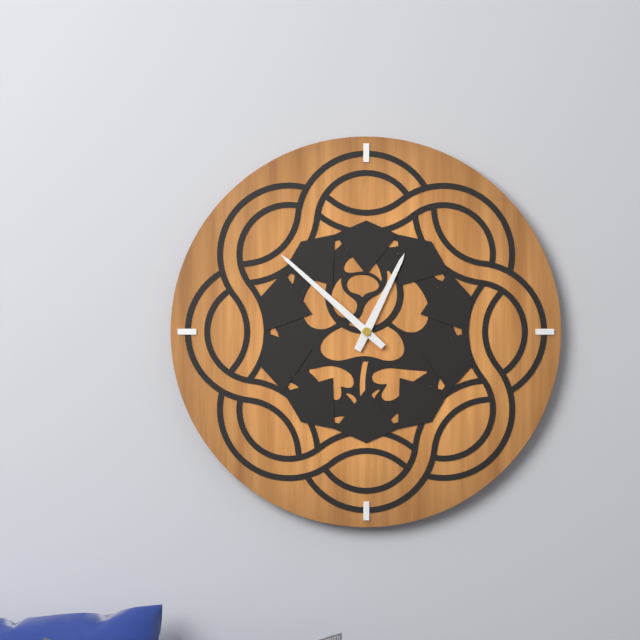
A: 12 h 52 min
